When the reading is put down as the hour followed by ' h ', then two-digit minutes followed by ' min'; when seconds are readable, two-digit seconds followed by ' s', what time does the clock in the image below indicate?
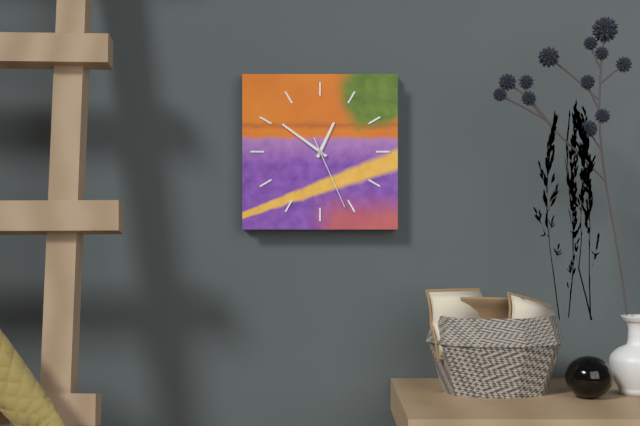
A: 12 h 51 min 26 s
